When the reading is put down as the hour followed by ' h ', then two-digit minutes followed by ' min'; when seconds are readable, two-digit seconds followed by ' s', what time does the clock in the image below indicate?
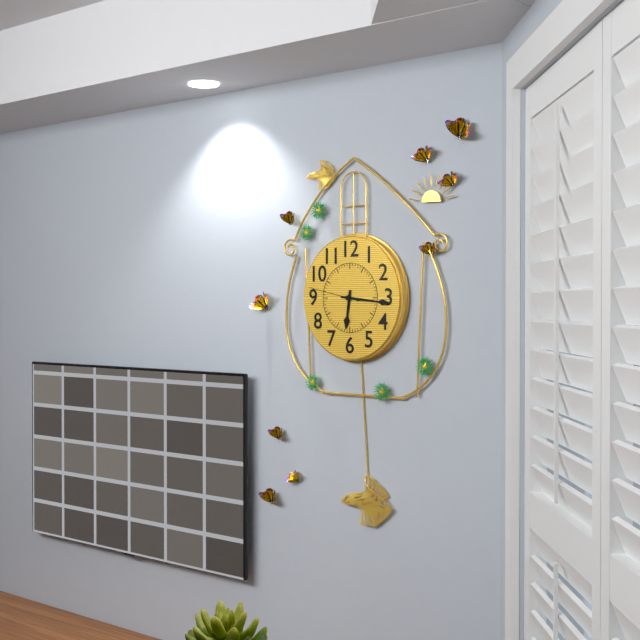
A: 6 h 16 min 47 s
